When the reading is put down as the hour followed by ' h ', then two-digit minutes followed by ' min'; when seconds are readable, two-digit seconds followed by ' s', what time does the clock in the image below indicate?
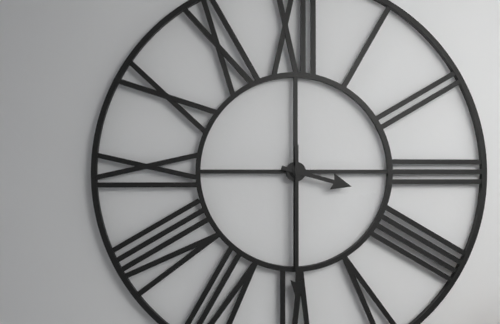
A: 3 h 30 min
